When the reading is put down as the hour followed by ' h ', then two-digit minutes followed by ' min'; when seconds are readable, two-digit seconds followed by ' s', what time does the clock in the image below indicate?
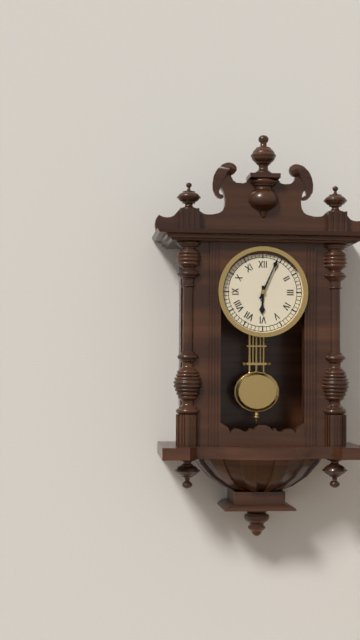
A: 6 h 04 min
